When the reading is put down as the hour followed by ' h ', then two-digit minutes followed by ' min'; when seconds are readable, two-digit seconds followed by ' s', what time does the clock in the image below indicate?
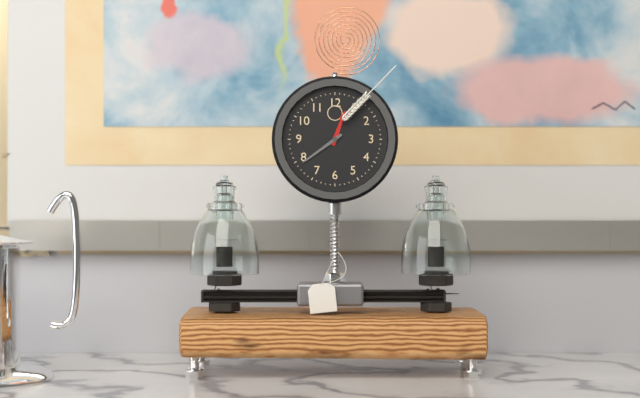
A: 12 h 39 min
